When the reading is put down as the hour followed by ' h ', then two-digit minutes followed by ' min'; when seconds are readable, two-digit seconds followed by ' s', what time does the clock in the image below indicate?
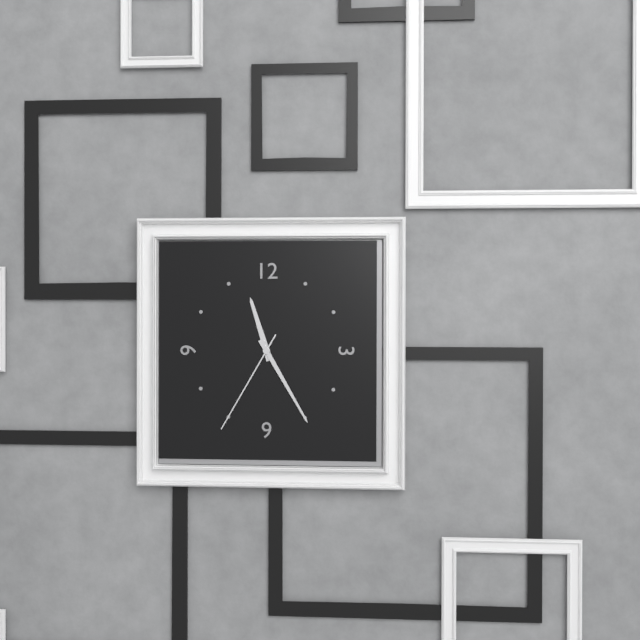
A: 11 h 25 min 35 s
